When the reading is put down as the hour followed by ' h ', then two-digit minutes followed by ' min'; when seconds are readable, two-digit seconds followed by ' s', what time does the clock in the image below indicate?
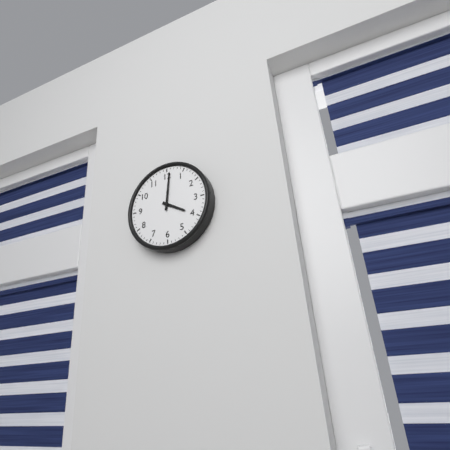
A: 4 h 01 min
